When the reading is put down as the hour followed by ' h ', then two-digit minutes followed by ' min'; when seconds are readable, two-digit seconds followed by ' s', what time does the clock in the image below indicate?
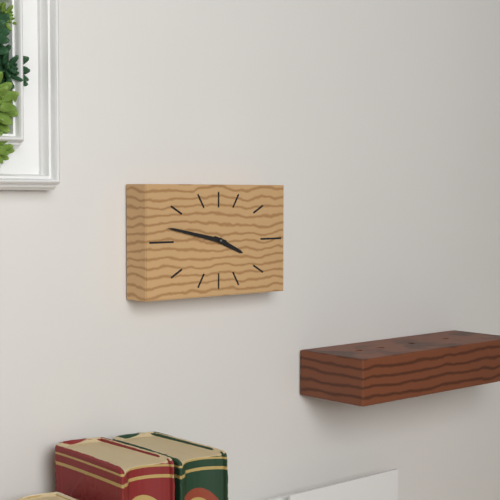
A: 3 h 47 min
